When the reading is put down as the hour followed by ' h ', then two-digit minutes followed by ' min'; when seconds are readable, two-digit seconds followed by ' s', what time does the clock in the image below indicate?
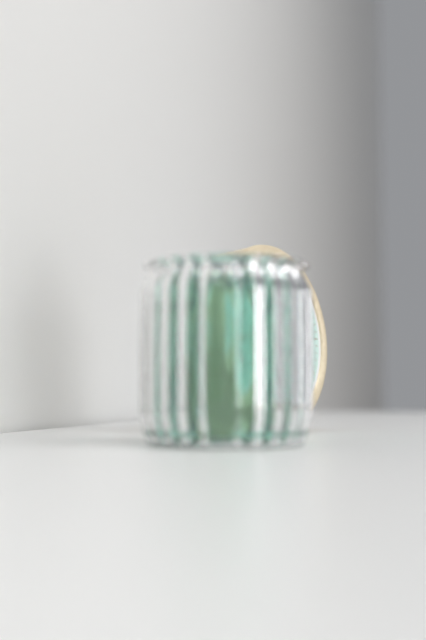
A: 10 h 10 min
